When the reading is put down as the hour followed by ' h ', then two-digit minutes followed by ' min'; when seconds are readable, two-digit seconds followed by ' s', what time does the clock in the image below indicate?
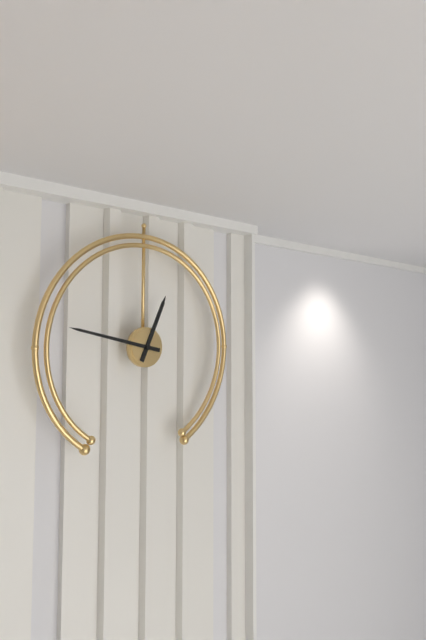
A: 12 h 47 min
